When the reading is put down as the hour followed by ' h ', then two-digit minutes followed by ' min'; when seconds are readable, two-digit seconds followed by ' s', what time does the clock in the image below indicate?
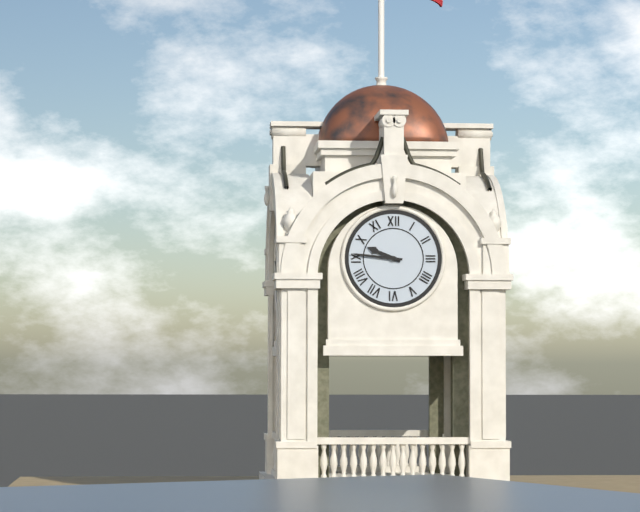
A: 9 h 46 min
